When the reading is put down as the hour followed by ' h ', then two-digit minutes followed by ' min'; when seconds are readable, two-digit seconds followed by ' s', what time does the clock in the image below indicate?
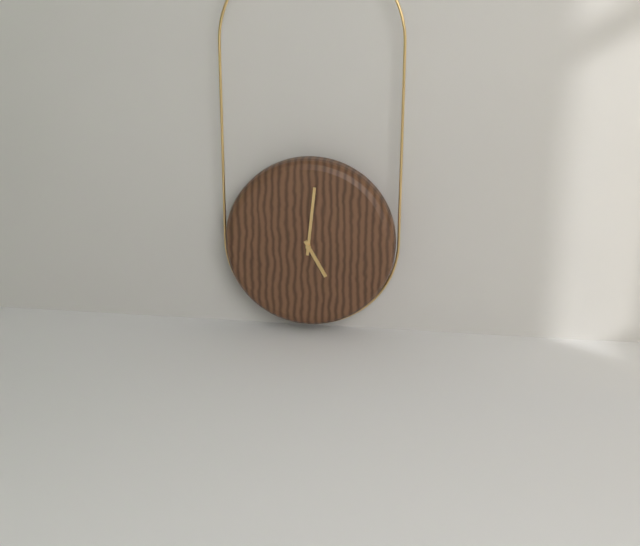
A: 5 h 01 min
